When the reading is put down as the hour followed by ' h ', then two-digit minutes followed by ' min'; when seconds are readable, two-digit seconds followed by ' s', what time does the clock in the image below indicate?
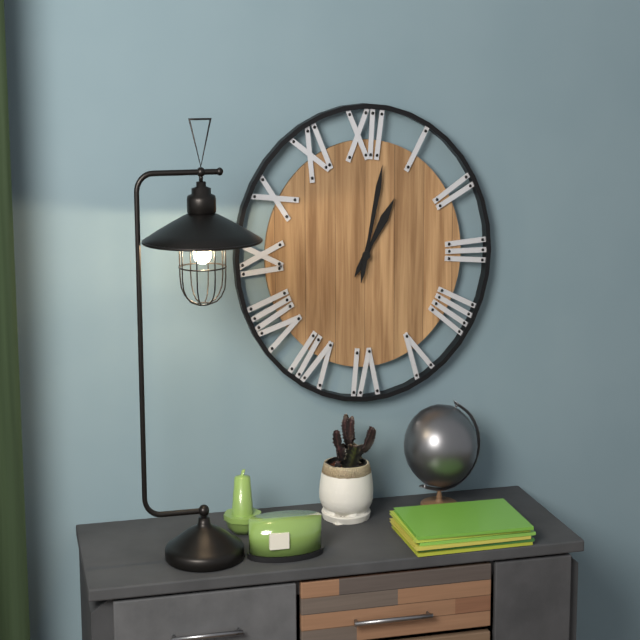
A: 1 h 02 min
